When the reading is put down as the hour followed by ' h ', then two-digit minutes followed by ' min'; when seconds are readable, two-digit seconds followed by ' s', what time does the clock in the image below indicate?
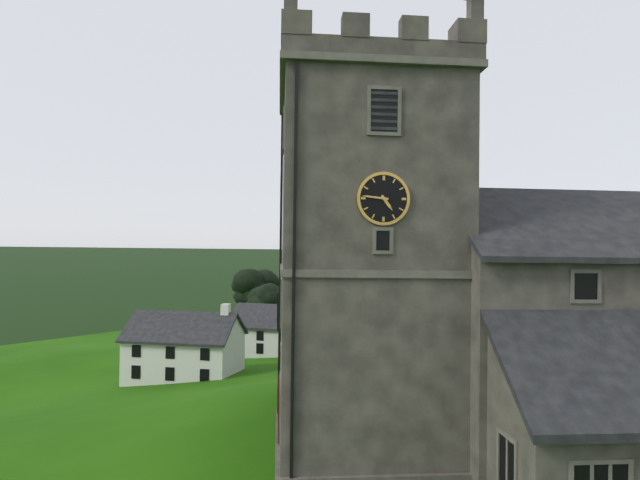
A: 4 h 46 min
